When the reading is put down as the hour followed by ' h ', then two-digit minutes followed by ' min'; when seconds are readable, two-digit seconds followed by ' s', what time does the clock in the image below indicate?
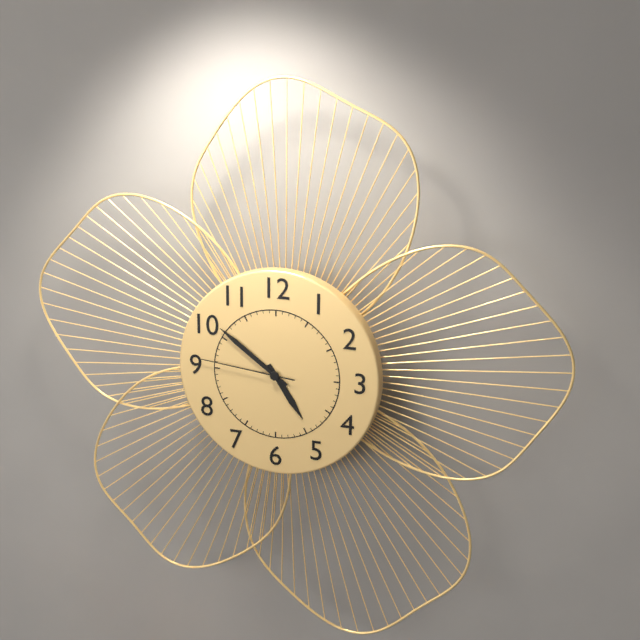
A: 4 h 51 min 46 s
